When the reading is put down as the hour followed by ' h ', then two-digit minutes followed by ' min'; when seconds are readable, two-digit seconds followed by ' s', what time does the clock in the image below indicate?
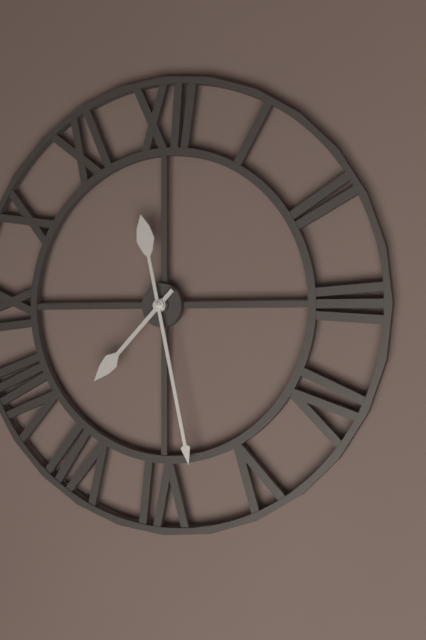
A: 7 h 28 min
